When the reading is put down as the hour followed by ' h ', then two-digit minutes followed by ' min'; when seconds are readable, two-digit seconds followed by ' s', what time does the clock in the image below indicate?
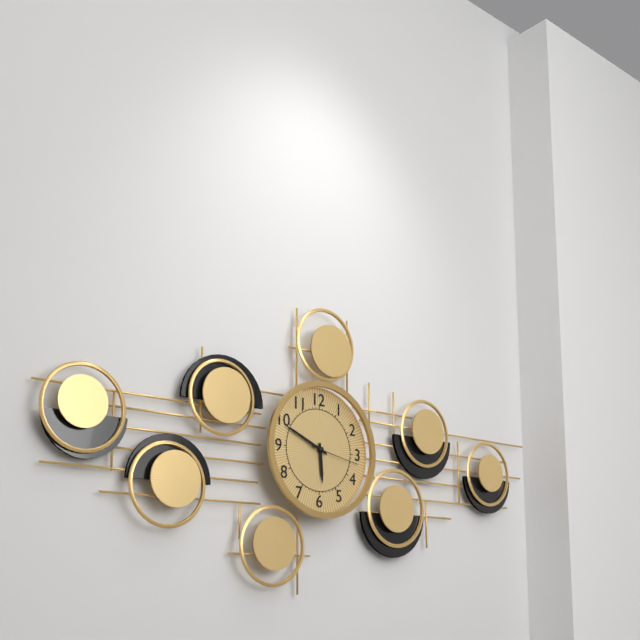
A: 5 h 49 min 17 s
